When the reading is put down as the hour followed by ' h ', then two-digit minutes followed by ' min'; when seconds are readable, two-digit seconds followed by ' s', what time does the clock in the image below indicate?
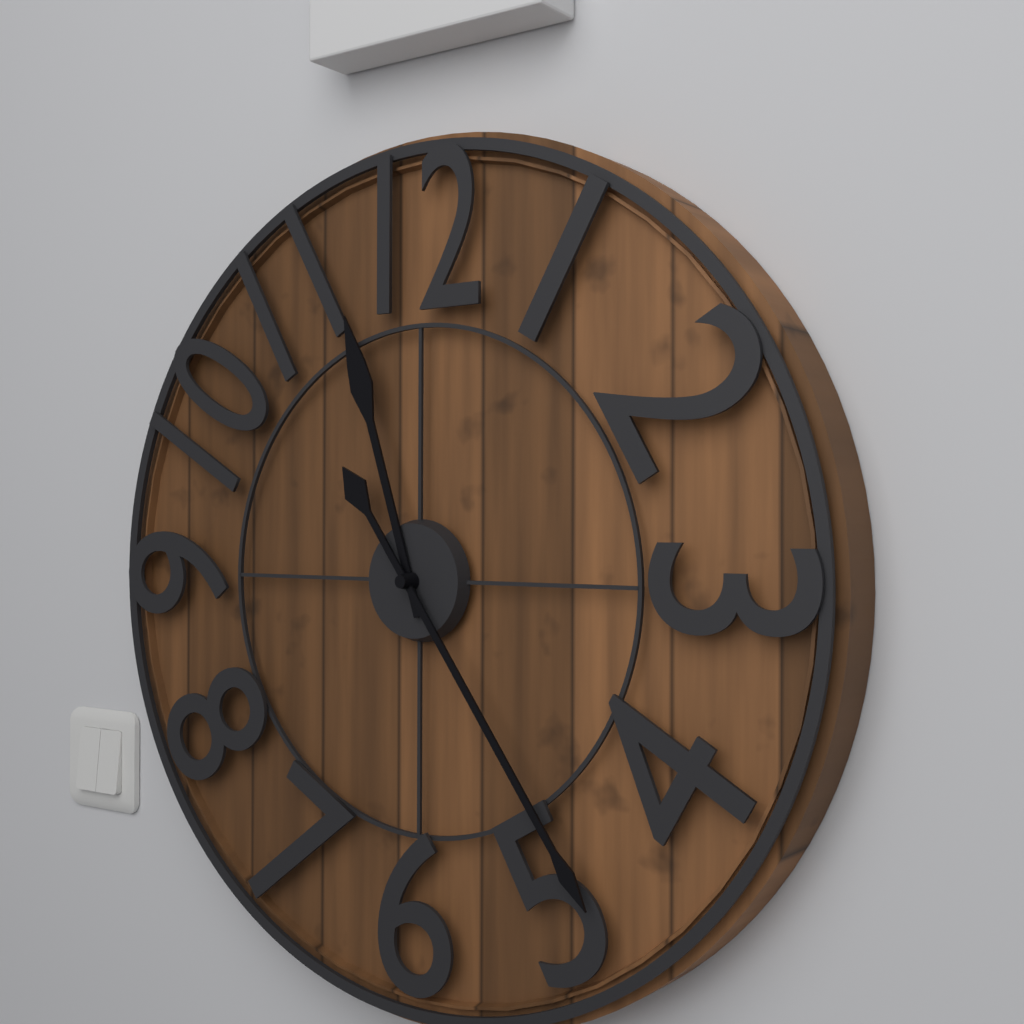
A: 11 h 24 min
